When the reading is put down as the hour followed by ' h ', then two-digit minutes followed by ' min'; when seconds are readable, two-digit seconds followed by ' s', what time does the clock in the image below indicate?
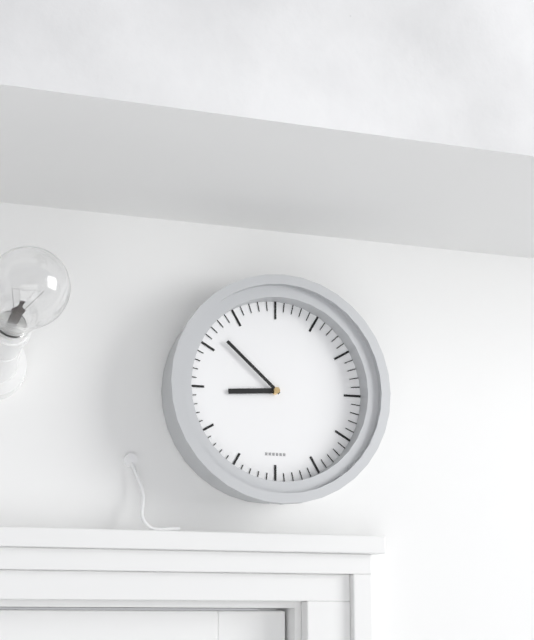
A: 8 h 52 min
